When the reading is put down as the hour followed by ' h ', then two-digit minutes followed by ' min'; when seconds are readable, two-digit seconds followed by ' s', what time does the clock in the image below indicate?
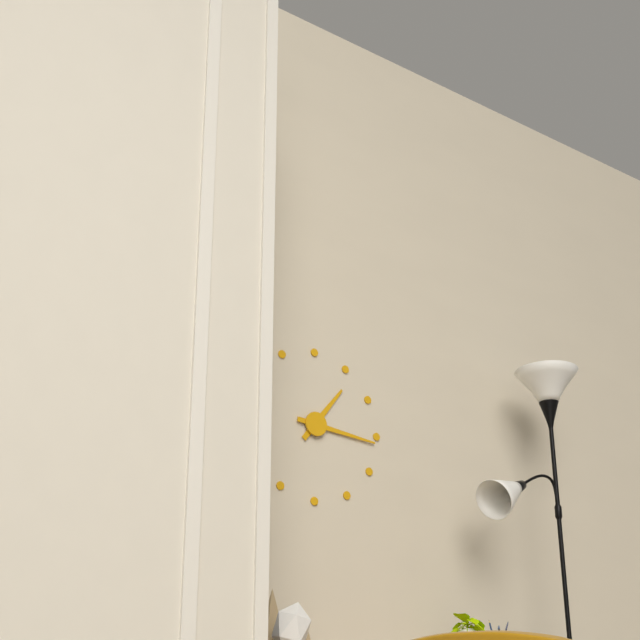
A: 1 h 16 min
